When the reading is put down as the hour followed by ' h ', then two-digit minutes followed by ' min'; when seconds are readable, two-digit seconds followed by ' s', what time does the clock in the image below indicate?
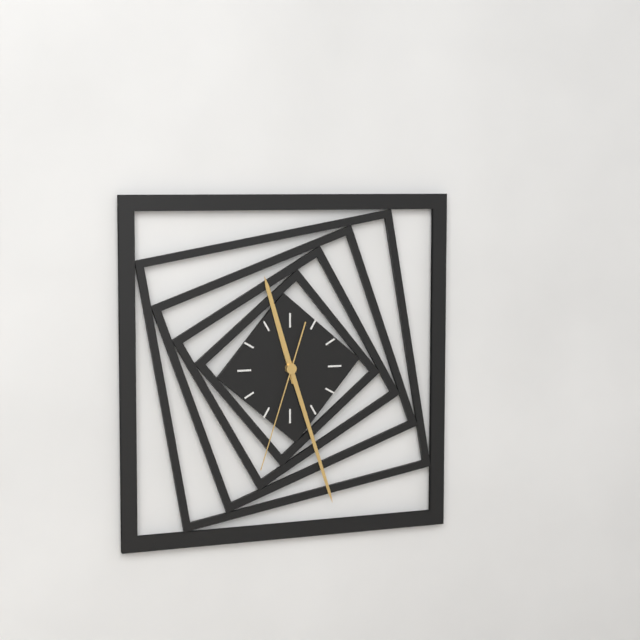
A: 11 h 27 min 33 s
